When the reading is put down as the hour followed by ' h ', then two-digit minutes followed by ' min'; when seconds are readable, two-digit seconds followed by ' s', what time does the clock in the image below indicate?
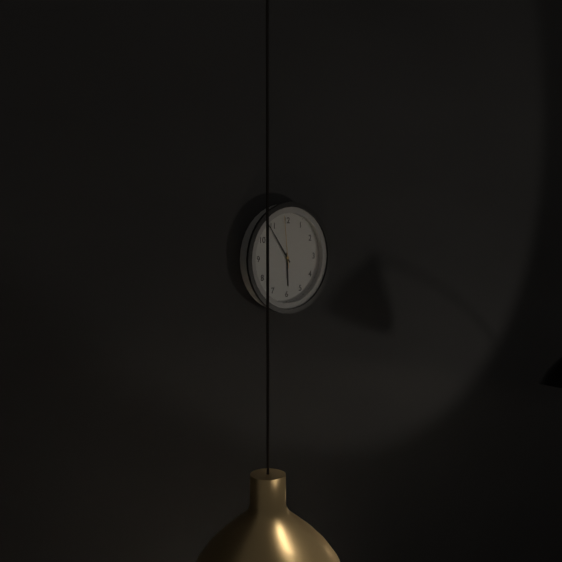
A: 5 h 54 min 59 s
